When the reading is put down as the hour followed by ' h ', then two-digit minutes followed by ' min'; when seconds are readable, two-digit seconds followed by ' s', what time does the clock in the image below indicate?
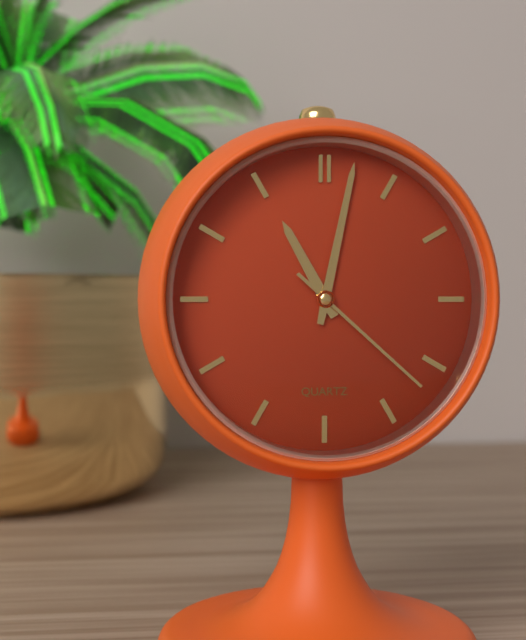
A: 11 h 02 min 22 s
